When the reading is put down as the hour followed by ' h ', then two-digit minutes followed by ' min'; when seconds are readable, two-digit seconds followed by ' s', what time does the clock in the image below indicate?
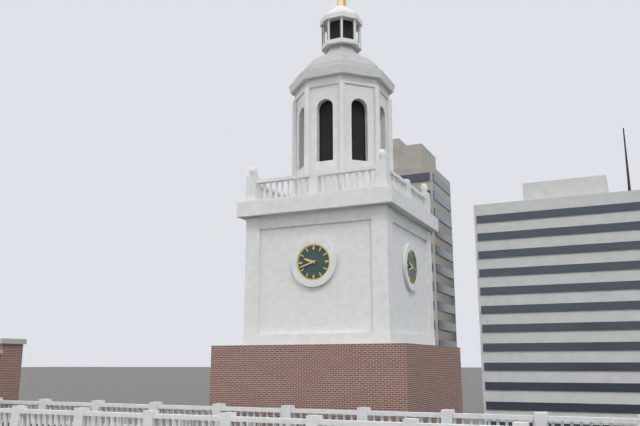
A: 9 h 42 min
